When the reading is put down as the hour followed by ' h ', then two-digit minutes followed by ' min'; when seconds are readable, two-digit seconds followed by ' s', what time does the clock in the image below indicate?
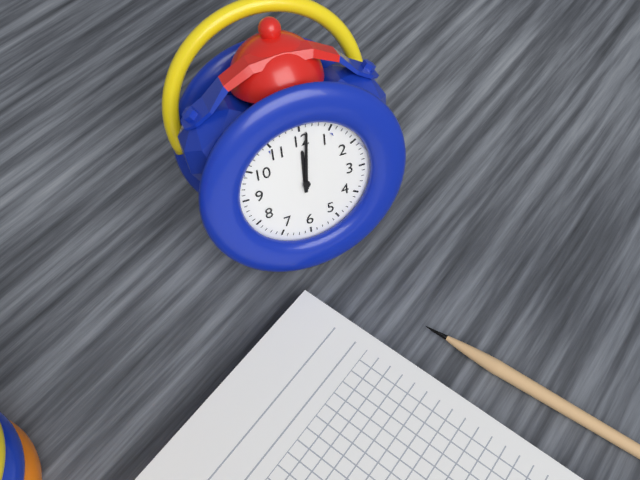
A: 12 h 01 min
